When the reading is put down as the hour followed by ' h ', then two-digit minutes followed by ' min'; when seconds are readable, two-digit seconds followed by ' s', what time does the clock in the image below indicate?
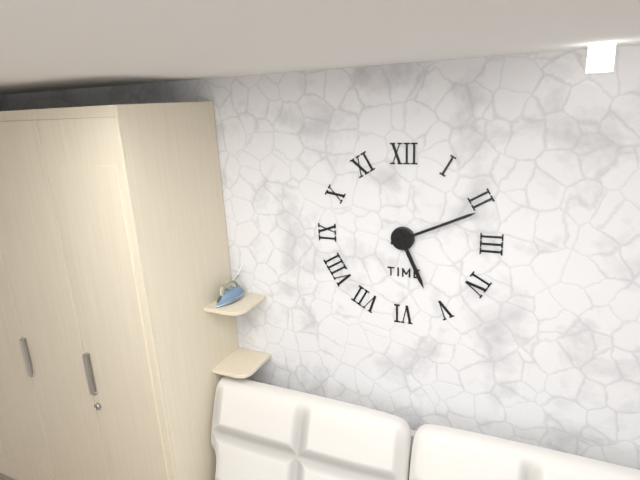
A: 5 h 11 min
